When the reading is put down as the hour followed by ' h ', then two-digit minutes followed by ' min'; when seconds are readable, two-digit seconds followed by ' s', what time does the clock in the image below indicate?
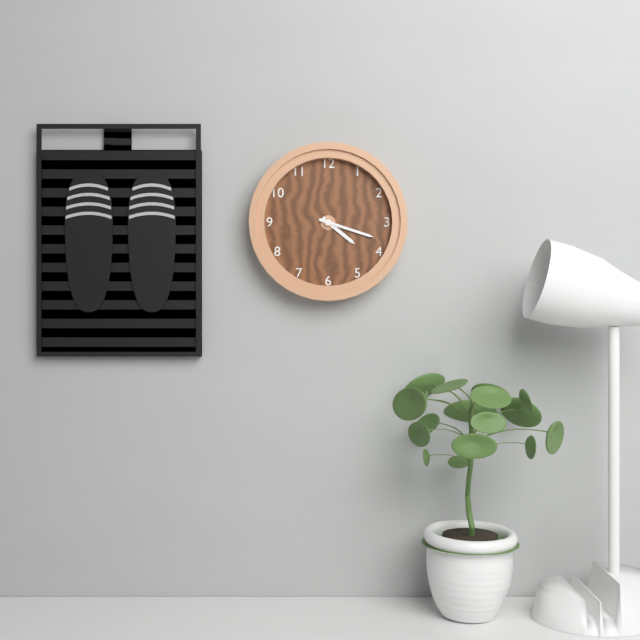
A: 4 h 18 min
